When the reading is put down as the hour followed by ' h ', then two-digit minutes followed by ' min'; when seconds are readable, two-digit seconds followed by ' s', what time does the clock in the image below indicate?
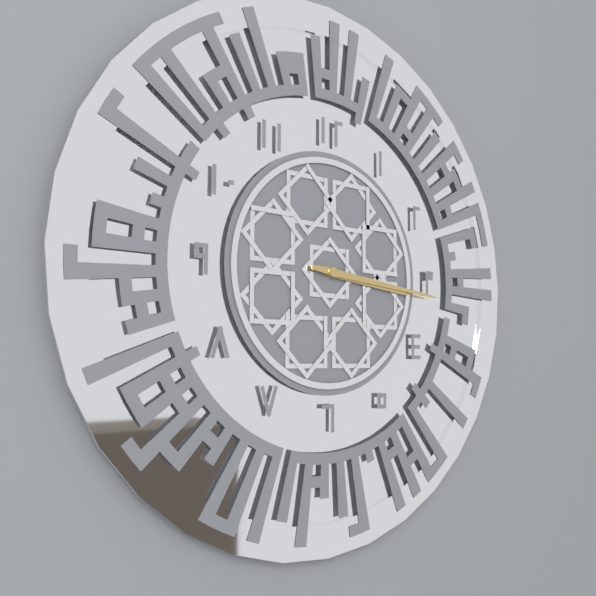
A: 3 h 16 min
